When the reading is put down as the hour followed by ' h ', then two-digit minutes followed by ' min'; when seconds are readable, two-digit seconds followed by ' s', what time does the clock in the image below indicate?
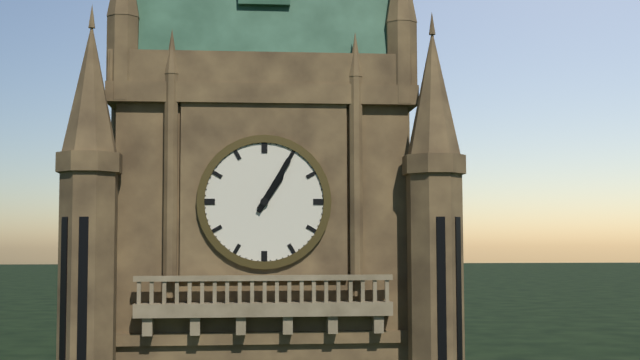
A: 1 h 05 min
